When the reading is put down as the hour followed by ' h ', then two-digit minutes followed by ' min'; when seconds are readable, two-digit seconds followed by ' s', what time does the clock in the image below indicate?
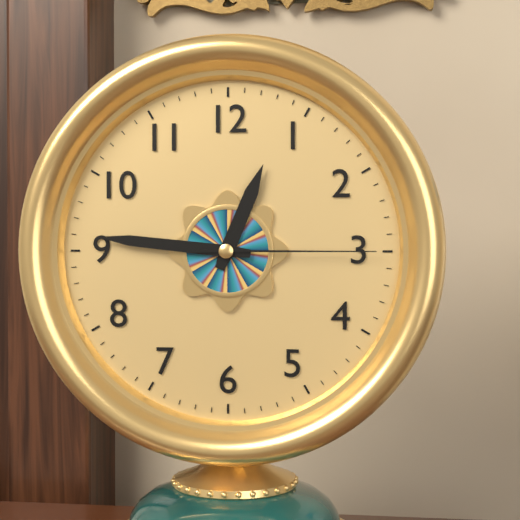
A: 12 h 46 min 15 s
